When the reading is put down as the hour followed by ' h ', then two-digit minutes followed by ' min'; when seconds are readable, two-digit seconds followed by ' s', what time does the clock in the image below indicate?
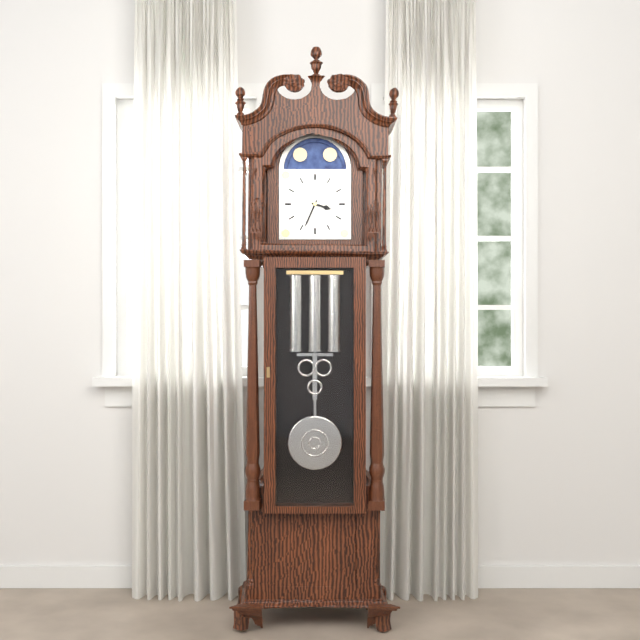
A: 3 h 34 min
